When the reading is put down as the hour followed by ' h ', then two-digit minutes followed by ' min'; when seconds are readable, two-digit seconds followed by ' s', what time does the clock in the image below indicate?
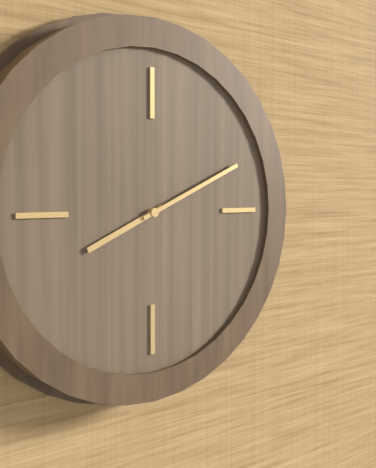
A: 8 h 11 min
